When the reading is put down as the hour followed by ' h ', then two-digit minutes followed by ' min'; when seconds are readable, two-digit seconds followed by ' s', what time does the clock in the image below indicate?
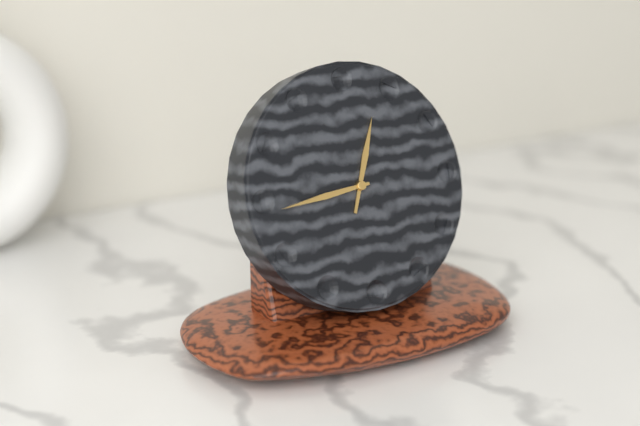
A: 12 h 44 min
